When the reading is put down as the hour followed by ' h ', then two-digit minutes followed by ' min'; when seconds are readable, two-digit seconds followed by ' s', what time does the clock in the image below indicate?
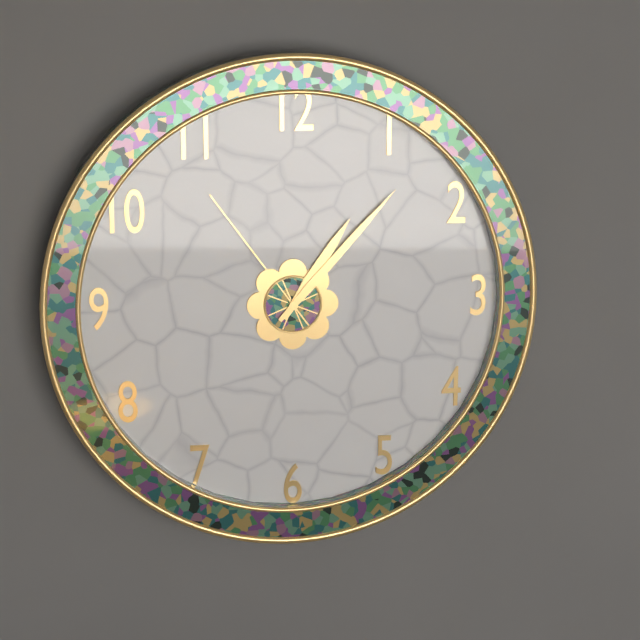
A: 1 h 07 min 54 s
